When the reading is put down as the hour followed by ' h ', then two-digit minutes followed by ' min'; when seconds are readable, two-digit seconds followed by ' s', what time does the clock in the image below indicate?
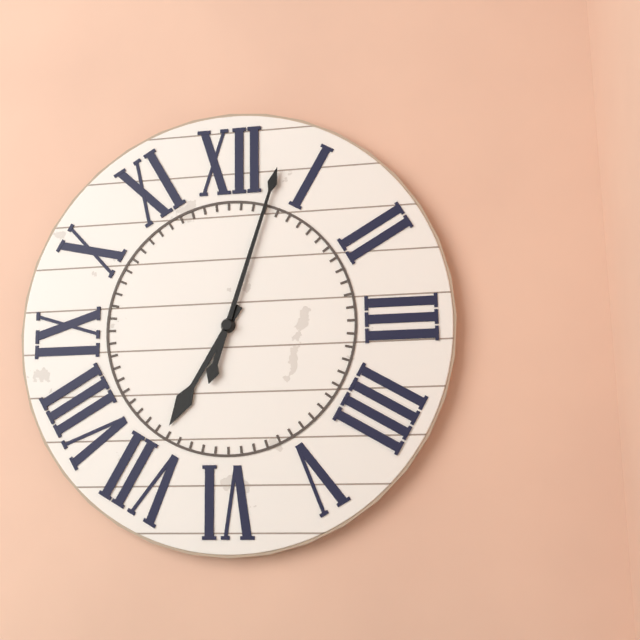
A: 7 h 03 min
